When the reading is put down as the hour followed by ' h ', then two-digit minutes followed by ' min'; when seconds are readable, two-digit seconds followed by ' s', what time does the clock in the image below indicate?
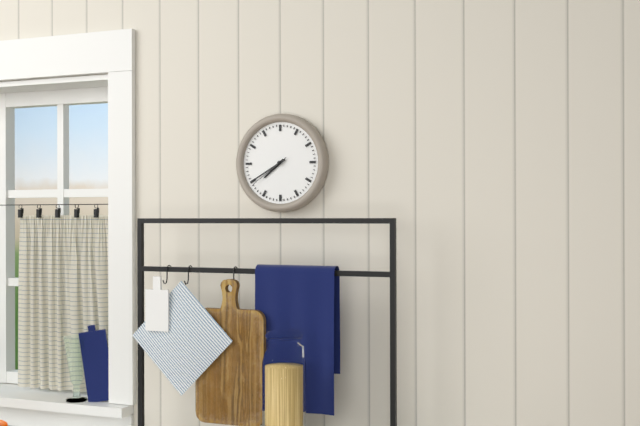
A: 7 h 40 min
